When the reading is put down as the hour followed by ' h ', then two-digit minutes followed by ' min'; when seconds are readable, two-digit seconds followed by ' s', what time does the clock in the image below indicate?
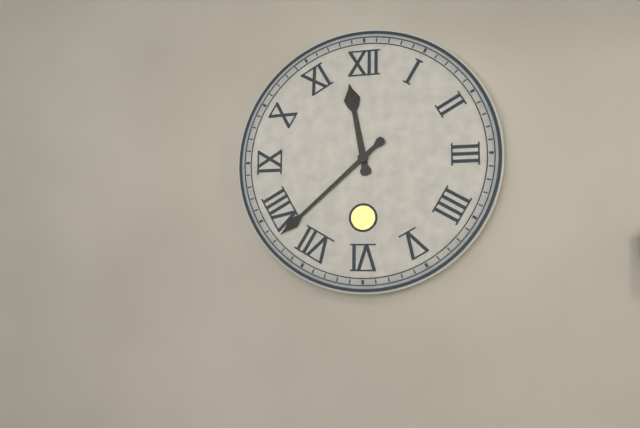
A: 11 h 38 min
